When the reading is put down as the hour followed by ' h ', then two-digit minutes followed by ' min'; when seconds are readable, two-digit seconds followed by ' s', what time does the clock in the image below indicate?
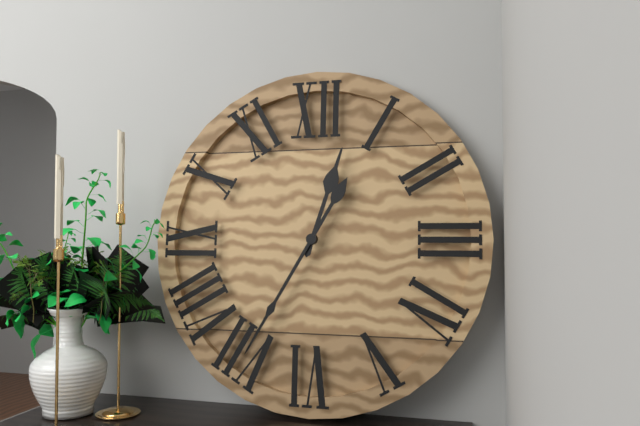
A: 12 h 35 min
